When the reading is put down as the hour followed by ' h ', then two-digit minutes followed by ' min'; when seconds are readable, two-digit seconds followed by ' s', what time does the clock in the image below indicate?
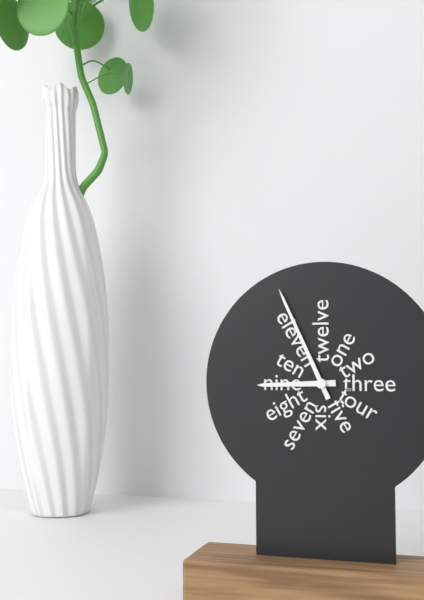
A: 8 h 56 min
